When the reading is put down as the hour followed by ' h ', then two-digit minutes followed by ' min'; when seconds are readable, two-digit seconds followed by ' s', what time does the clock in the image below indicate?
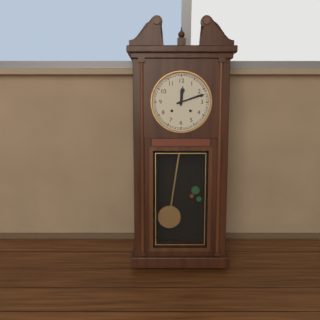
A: 12 h 12 min
